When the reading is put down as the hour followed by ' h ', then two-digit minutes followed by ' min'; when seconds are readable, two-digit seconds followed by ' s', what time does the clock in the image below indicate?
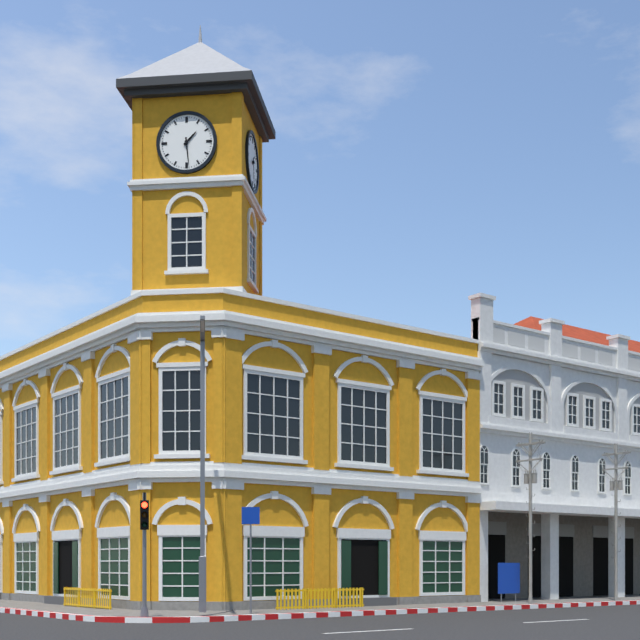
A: 1 h 29 min
